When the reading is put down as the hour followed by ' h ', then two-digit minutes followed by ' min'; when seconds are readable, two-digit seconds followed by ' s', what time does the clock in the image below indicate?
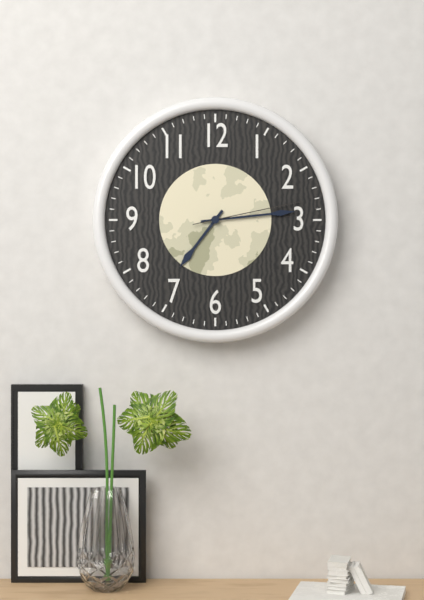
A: 7 h 14 min 13 s
